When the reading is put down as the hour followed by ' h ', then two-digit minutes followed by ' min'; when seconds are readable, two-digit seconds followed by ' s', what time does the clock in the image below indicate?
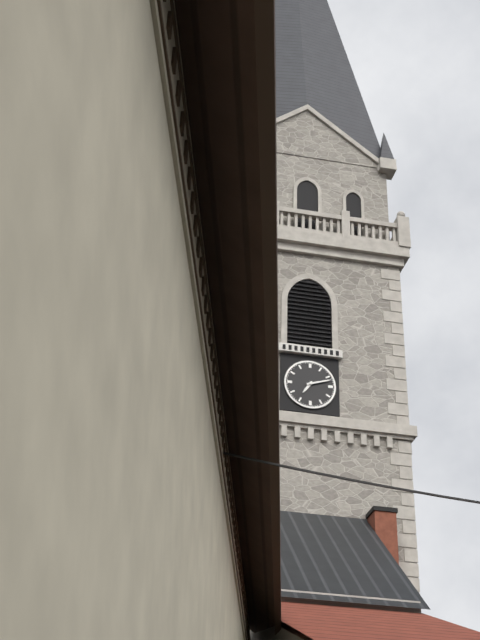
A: 7 h 12 min
